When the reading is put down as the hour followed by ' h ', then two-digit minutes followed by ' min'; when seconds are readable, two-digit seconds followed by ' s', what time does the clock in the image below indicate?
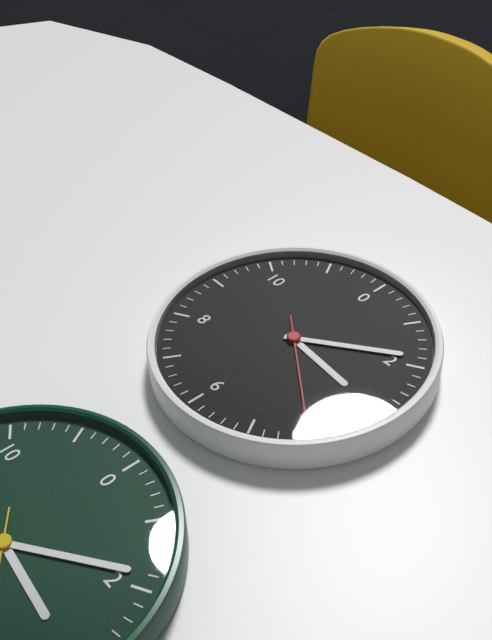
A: 3 h 09 min 21 s
